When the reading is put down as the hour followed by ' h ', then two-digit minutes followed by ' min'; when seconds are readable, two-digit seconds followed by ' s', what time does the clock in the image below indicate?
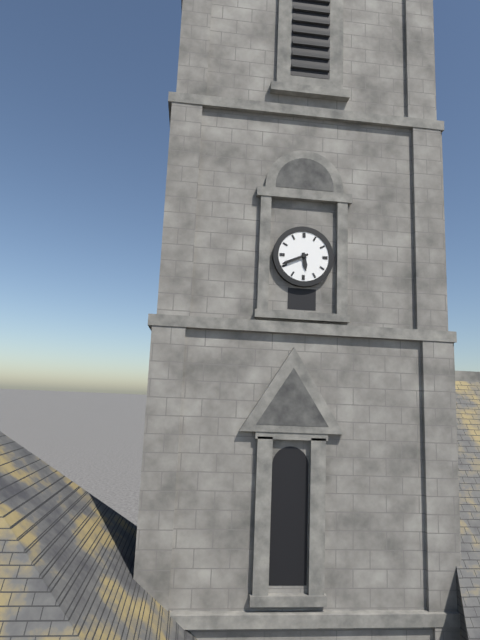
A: 5 h 41 min
